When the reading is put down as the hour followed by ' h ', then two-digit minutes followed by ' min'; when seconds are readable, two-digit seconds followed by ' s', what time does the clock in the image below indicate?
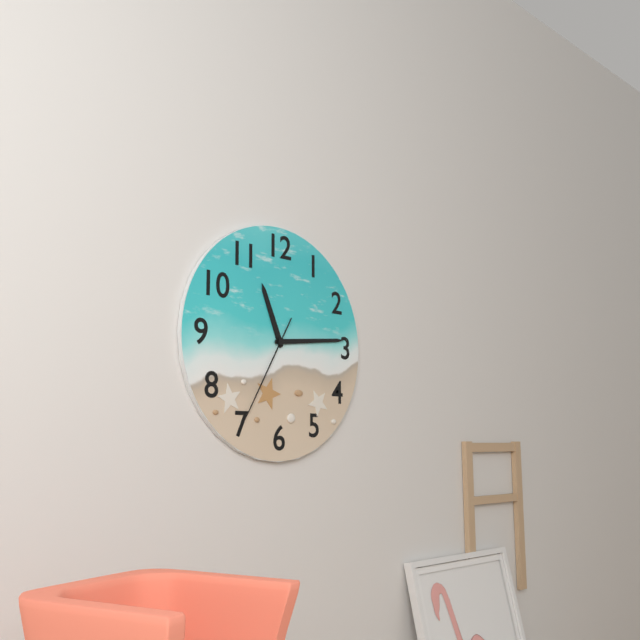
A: 11 h 14 min 35 s
